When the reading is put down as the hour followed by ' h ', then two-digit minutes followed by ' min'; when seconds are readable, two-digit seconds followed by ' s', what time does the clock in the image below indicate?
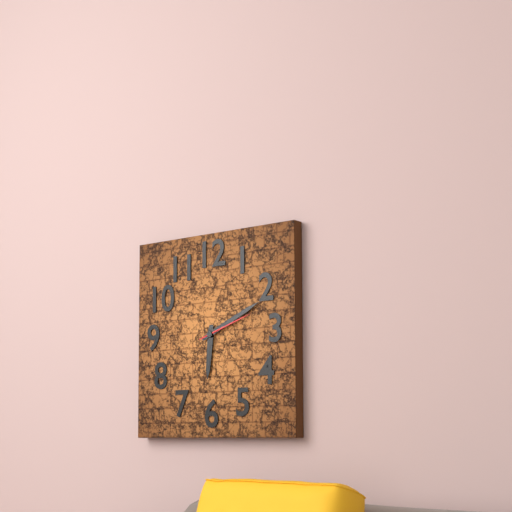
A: 6 h 11 min 12 s
